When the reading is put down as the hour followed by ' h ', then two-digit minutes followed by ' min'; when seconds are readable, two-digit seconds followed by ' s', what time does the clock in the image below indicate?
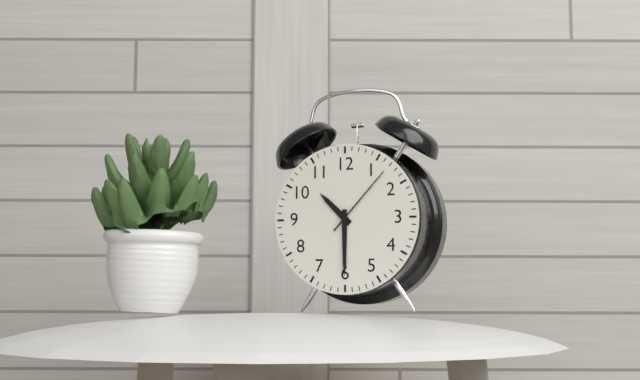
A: 10 h 30 min 07 s
